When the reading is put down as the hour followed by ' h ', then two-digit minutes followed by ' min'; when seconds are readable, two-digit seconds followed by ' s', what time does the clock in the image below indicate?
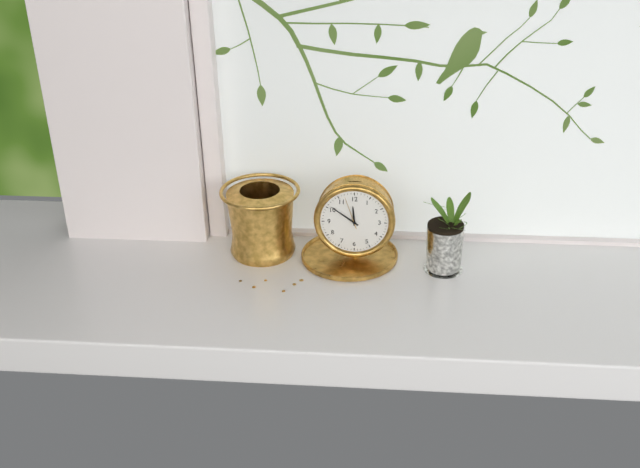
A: 11 h 51 min
